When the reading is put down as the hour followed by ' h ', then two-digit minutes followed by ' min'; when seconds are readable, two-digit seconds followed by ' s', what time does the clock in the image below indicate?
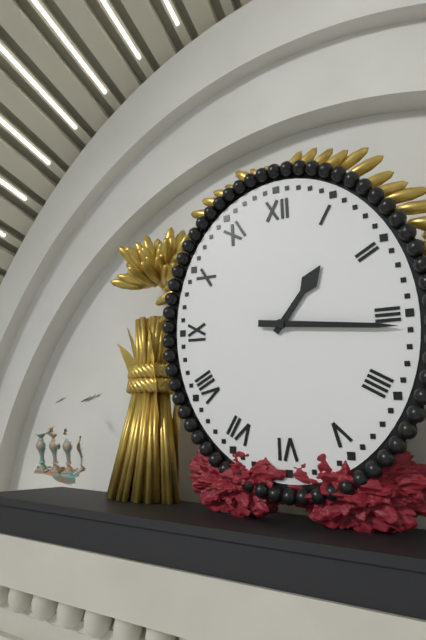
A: 1 h 16 min
